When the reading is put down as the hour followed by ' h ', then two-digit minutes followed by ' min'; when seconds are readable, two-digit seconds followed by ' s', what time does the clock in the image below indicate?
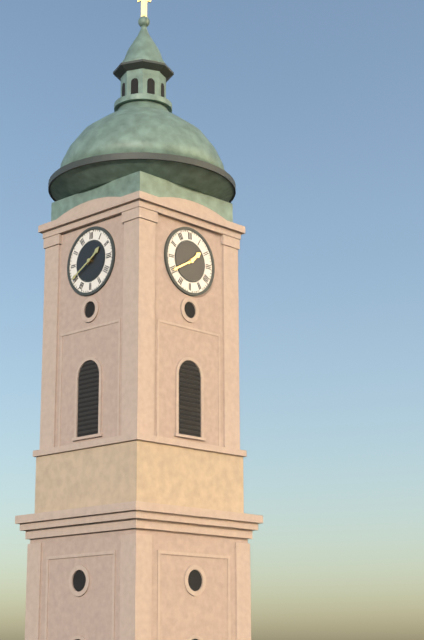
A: 1 h 40 min
